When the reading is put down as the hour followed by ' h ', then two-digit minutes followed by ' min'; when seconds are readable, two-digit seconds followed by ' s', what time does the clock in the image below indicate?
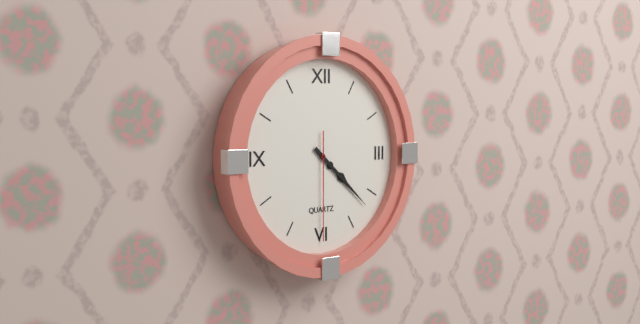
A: 4 h 22 min 30 s
